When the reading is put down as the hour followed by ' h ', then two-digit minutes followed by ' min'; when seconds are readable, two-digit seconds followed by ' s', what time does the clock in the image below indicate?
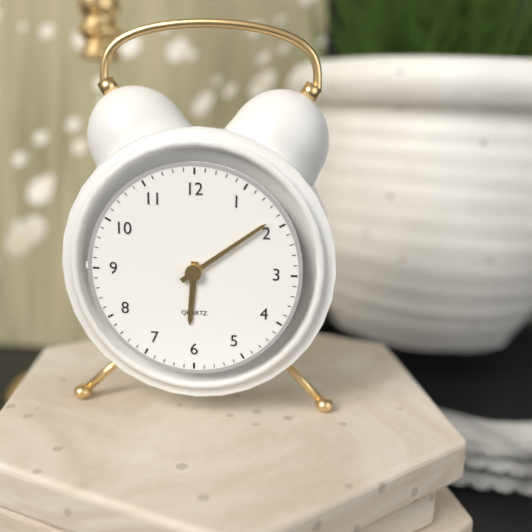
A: 6 h 09 min
